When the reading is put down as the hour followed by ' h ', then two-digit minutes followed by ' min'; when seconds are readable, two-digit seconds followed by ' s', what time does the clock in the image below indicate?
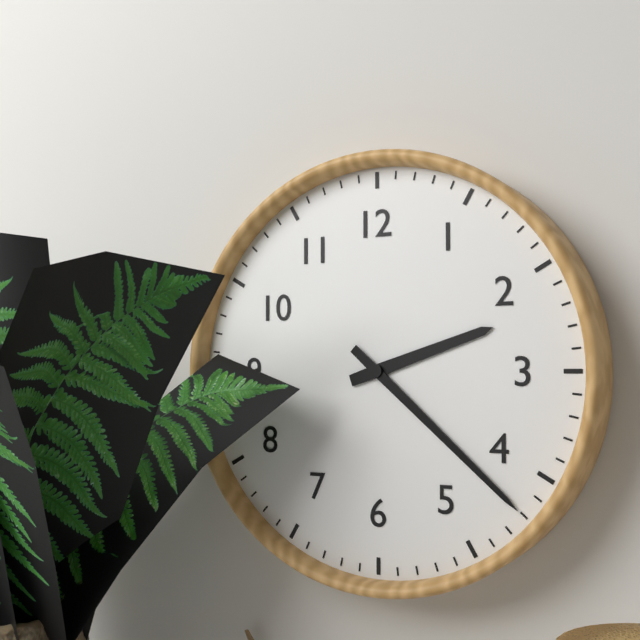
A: 2 h 22 min
